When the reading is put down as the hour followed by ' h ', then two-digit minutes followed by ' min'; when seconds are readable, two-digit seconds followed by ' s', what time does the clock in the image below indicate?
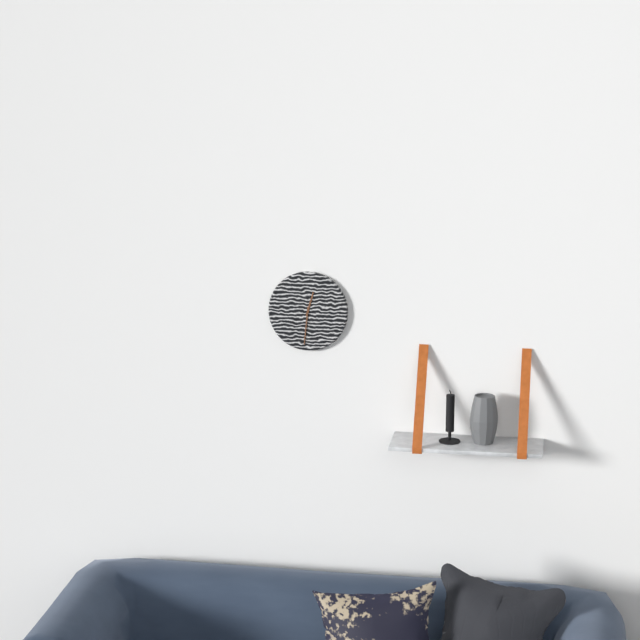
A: 12 h 31 min
